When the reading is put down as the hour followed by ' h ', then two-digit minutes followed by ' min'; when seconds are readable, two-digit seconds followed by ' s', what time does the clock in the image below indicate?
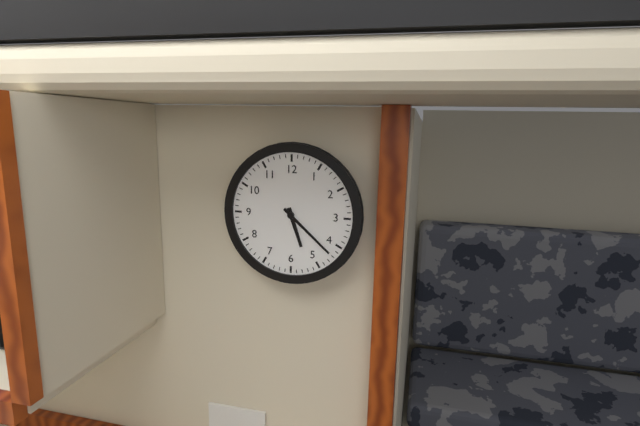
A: 5 h 22 min
